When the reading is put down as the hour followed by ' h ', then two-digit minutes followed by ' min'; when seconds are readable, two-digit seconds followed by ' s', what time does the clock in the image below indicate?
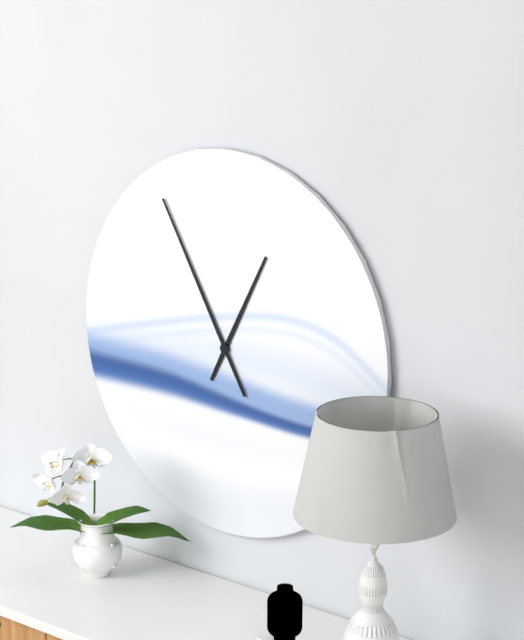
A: 12 h 55 min
